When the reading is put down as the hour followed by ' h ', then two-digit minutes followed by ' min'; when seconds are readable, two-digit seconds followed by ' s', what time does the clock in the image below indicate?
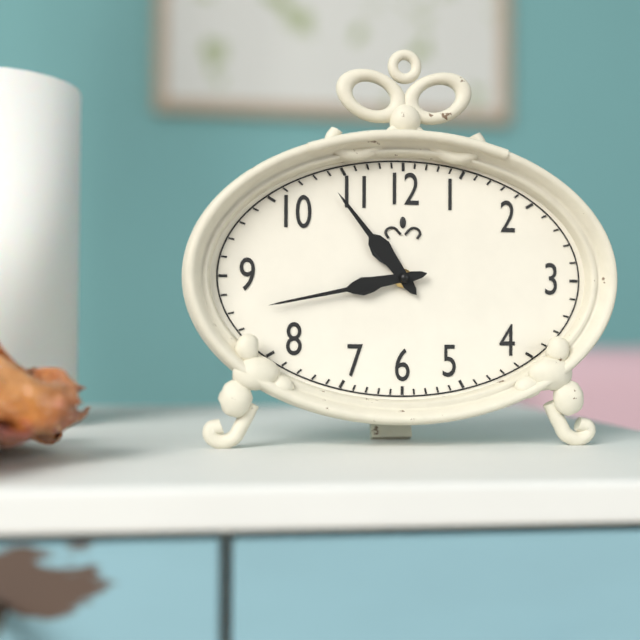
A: 10 h 43 min
